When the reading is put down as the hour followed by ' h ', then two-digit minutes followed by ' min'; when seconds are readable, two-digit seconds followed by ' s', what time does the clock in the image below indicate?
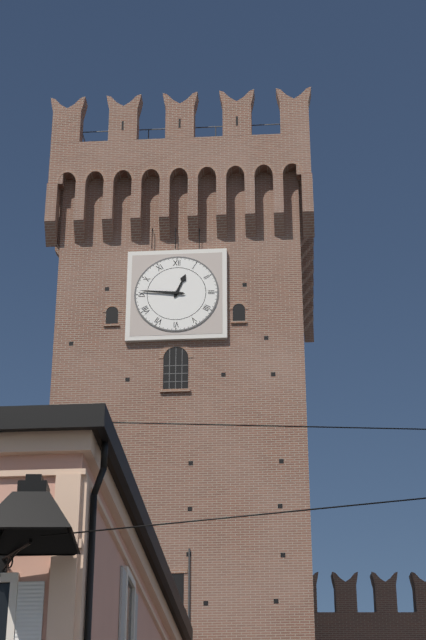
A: 12 h 46 min
